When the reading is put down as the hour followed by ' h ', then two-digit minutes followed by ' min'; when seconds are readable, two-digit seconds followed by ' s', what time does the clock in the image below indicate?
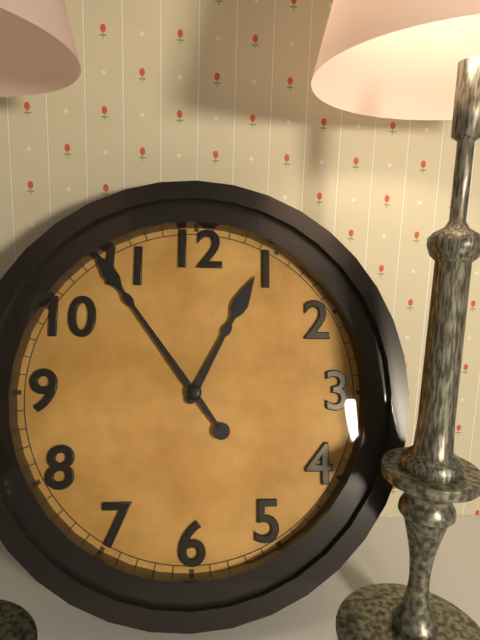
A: 12 h 54 min
